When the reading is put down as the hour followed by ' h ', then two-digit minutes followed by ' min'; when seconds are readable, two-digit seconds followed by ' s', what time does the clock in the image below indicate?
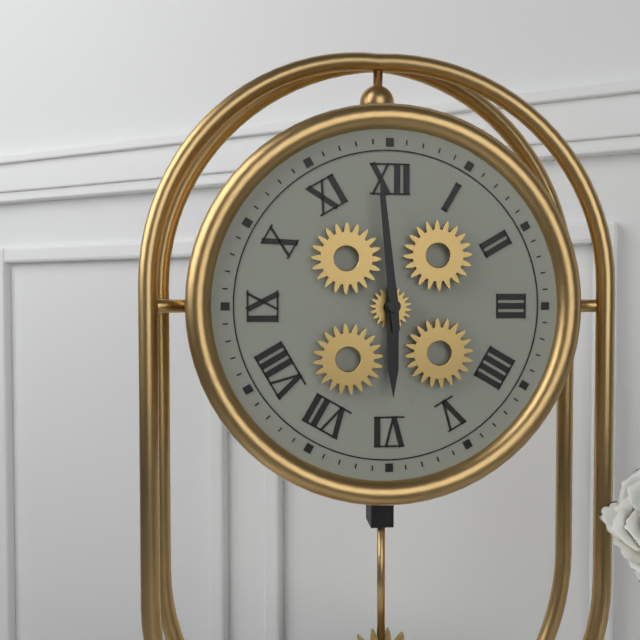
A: 5 h 59 min
